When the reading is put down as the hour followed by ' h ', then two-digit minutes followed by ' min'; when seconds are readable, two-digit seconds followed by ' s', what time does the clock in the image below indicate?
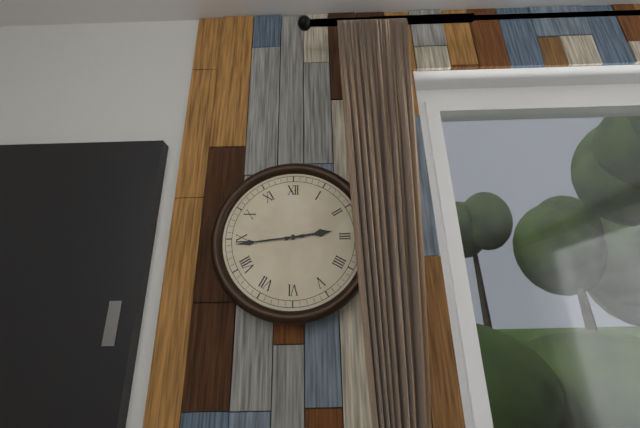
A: 2 h 44 min
